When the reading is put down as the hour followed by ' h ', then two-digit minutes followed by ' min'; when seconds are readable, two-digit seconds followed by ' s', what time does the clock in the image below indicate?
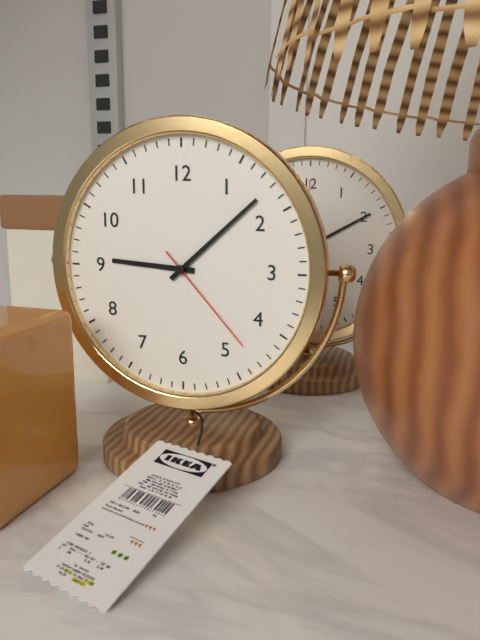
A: 9 h 08 min 23 s
